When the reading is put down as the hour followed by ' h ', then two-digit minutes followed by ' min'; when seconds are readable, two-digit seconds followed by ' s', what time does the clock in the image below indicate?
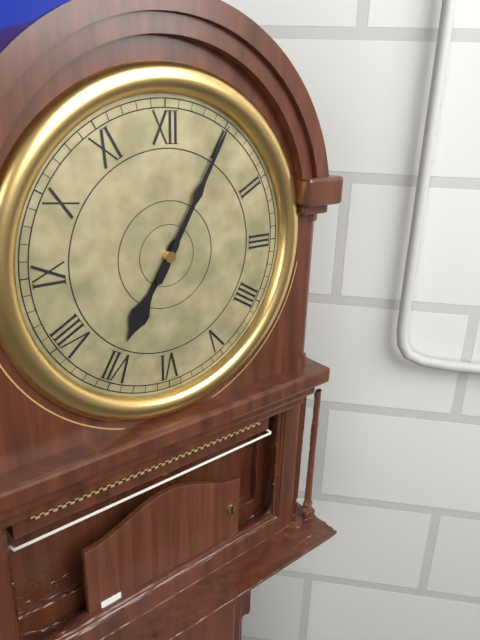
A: 7 h 05 min
